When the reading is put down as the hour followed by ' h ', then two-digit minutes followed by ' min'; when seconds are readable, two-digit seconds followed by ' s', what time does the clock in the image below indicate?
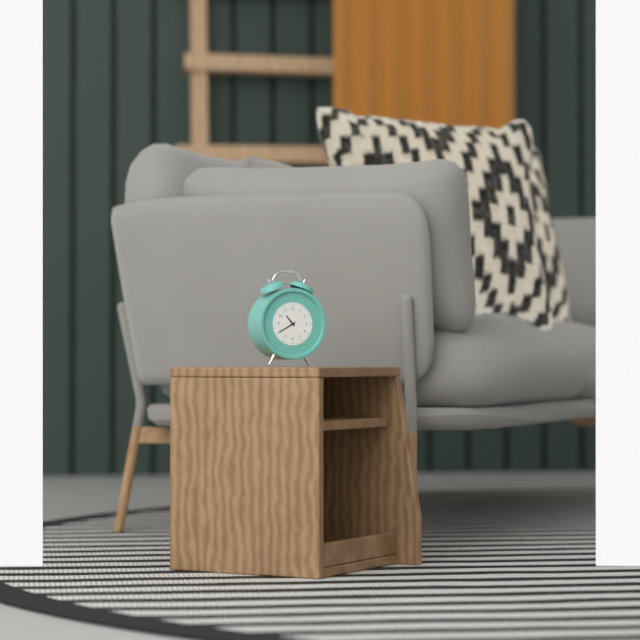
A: 10 h 40 min
